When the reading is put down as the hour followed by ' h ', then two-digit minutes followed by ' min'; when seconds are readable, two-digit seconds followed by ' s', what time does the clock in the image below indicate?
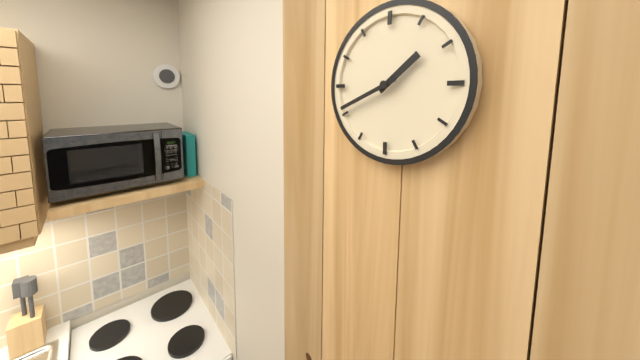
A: 1 h 41 min
